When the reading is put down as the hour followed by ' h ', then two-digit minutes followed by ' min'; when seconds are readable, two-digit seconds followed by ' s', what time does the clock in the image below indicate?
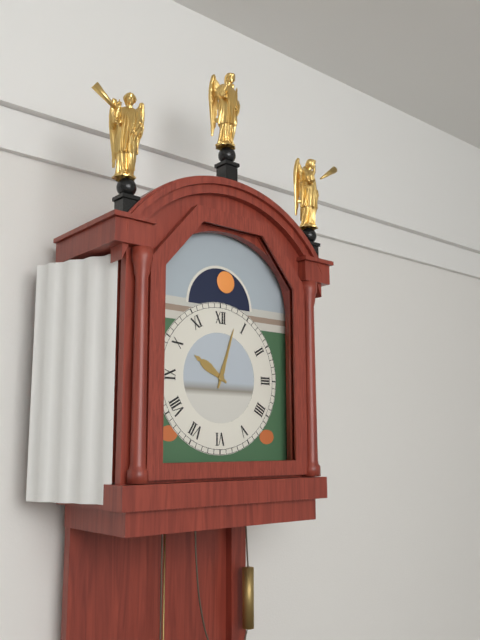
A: 10 h 03 min
